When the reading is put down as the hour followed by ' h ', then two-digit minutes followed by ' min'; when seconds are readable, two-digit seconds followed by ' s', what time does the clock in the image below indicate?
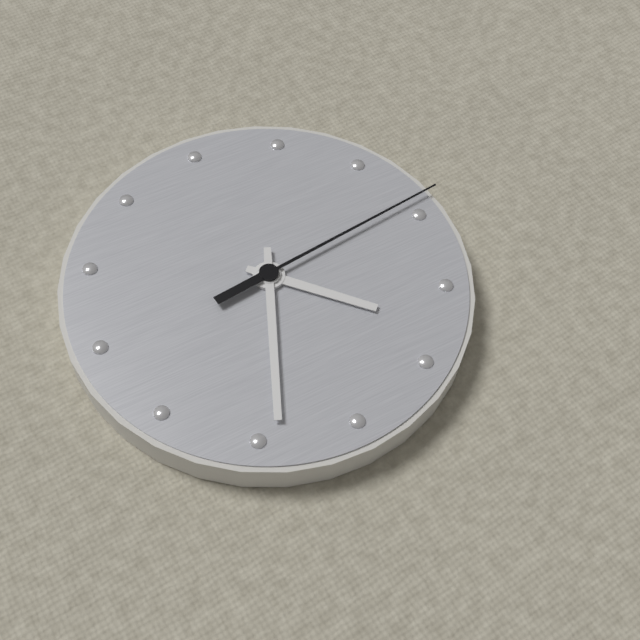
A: 4 h 34 min 14 s
